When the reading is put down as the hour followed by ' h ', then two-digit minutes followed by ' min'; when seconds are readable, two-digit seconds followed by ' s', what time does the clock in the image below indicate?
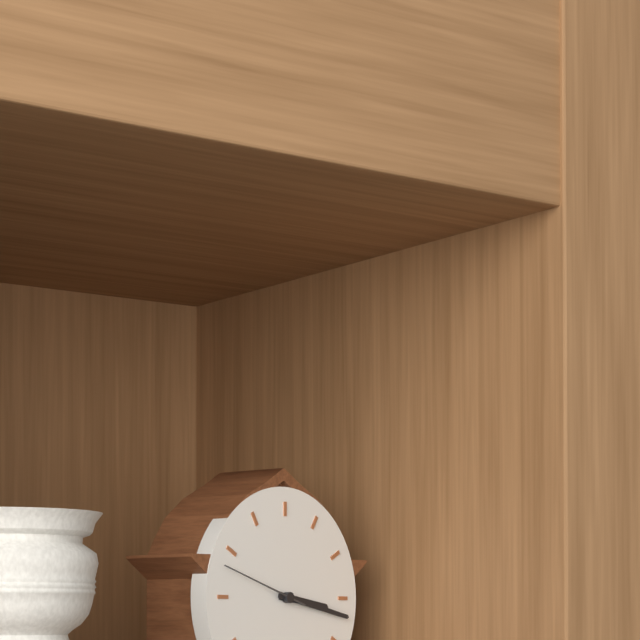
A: 3 h 17 min 48 s
